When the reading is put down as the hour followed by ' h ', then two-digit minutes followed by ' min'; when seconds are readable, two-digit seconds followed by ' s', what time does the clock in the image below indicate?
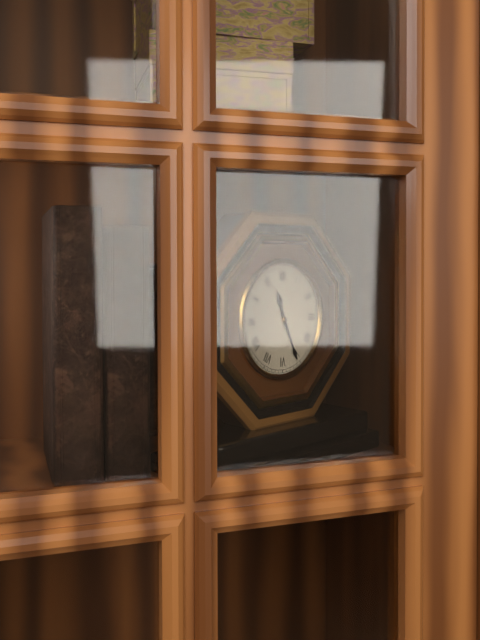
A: 11 h 26 min
